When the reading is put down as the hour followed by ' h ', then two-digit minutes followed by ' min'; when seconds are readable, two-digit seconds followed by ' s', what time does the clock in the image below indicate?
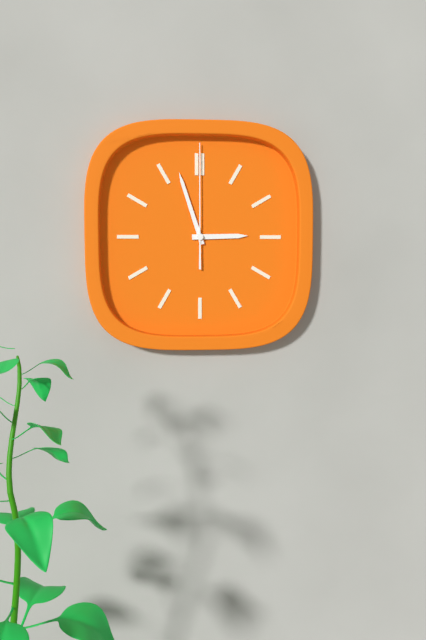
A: 2 h 57 min 00 s
